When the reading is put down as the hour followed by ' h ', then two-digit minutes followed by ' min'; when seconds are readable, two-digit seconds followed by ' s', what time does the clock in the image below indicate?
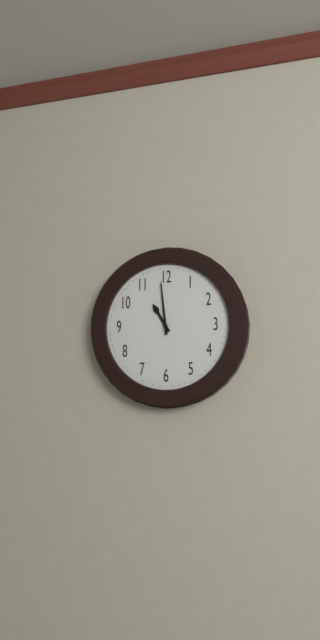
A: 10 h 59 min
